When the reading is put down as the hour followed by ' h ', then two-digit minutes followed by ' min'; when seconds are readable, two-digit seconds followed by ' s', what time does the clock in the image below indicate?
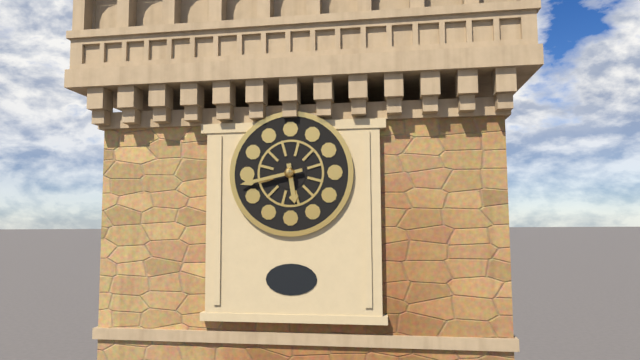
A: 5 h 43 min
